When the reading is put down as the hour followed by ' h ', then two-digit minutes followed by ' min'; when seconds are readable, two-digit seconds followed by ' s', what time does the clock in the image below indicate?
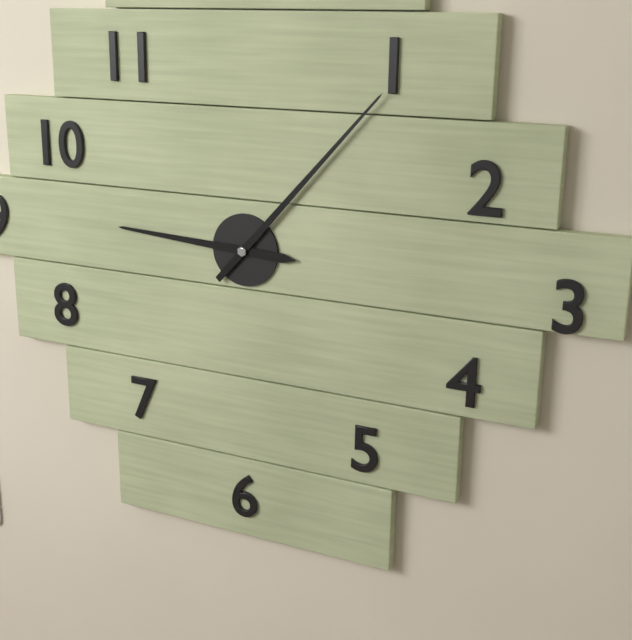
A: 9 h 07 min
